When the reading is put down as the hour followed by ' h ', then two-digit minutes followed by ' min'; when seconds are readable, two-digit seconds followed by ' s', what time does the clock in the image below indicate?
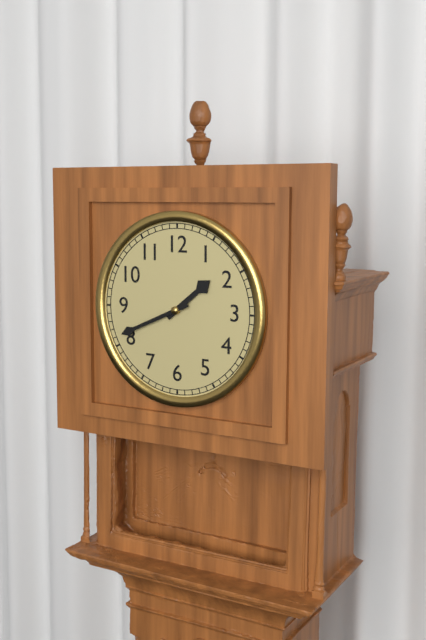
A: 1 h 41 min
